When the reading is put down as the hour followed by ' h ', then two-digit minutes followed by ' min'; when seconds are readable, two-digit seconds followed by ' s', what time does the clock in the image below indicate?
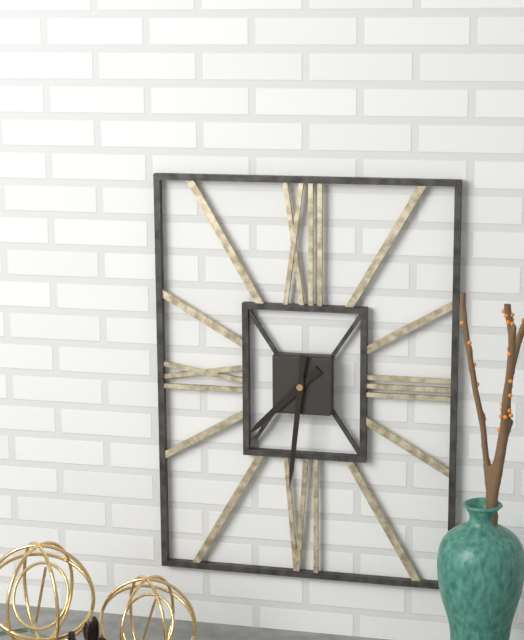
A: 7 h 31 min
